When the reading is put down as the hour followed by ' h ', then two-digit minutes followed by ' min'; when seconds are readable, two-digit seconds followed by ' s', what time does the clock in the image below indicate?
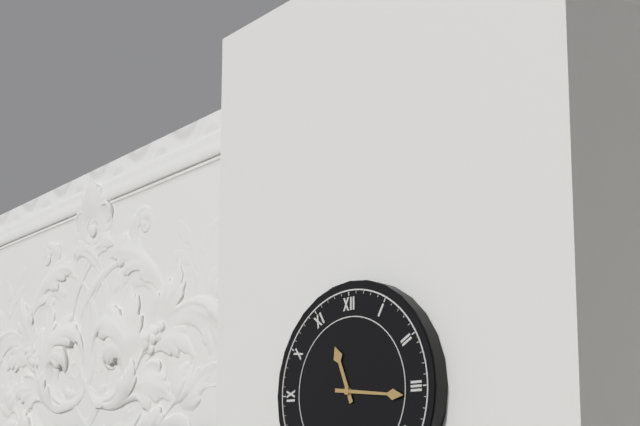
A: 11 h 16 min
